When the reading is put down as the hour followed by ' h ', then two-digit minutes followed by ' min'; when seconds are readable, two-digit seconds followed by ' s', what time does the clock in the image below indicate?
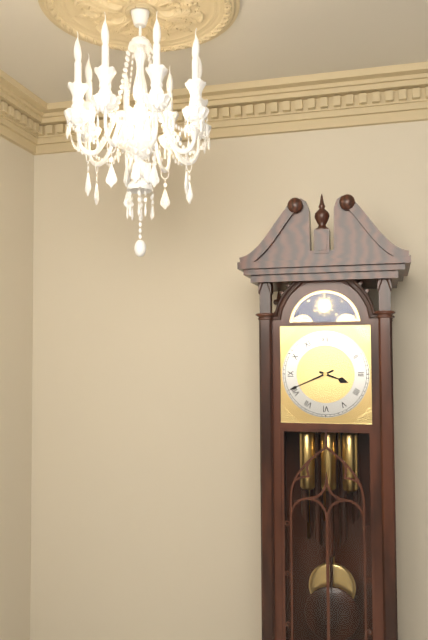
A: 3 h 41 min
